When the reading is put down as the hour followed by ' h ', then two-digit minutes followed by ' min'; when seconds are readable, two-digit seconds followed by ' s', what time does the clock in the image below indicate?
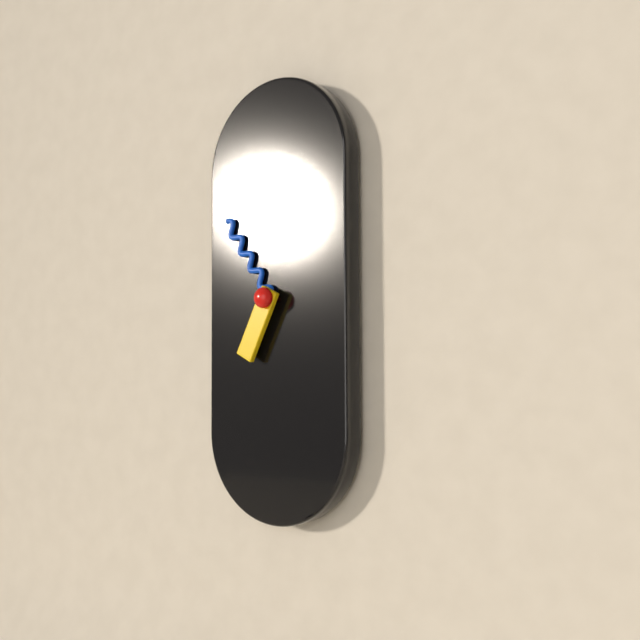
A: 6 h 54 min
